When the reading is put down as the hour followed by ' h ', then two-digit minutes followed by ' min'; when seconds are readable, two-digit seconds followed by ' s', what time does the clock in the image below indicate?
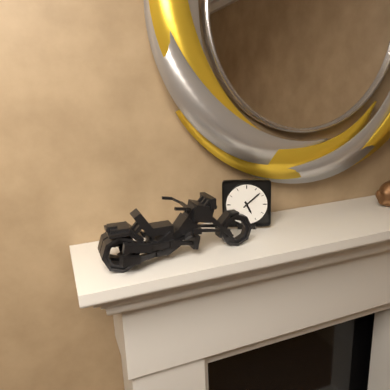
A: 5 h 08 min
